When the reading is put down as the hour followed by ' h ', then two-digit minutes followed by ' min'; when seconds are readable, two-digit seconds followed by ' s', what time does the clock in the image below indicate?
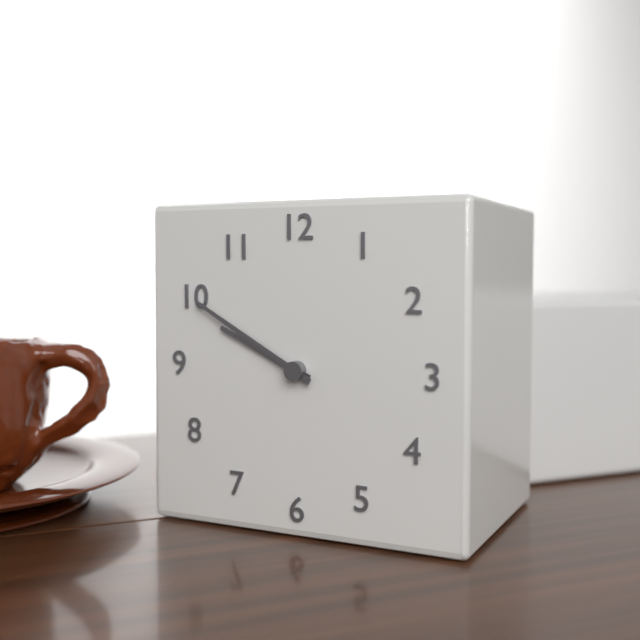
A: 9 h 50 min
